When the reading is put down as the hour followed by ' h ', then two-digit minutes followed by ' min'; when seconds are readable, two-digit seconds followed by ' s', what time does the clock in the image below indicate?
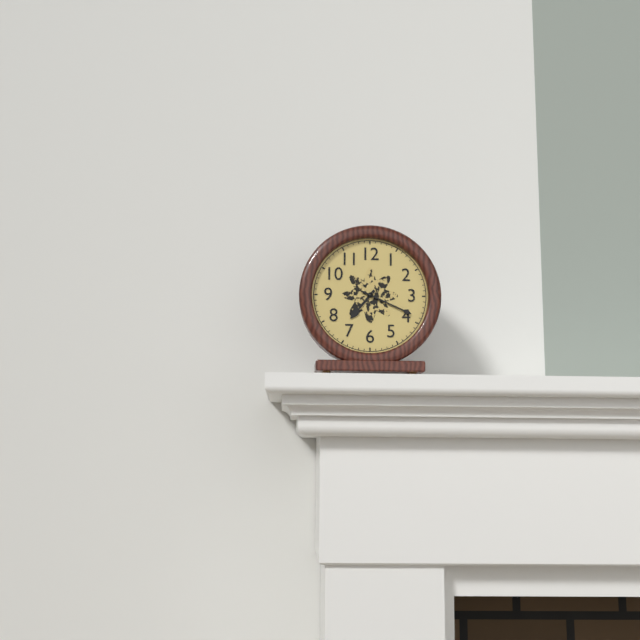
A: 7 h 19 min
